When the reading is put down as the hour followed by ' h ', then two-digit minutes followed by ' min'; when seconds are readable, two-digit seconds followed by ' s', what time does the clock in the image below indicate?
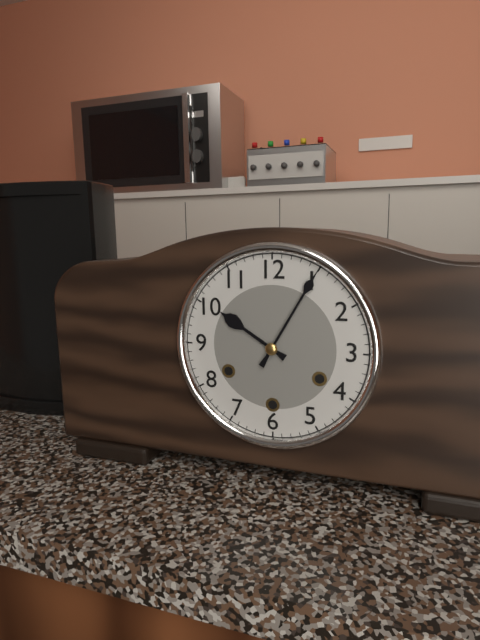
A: 10 h 05 min
